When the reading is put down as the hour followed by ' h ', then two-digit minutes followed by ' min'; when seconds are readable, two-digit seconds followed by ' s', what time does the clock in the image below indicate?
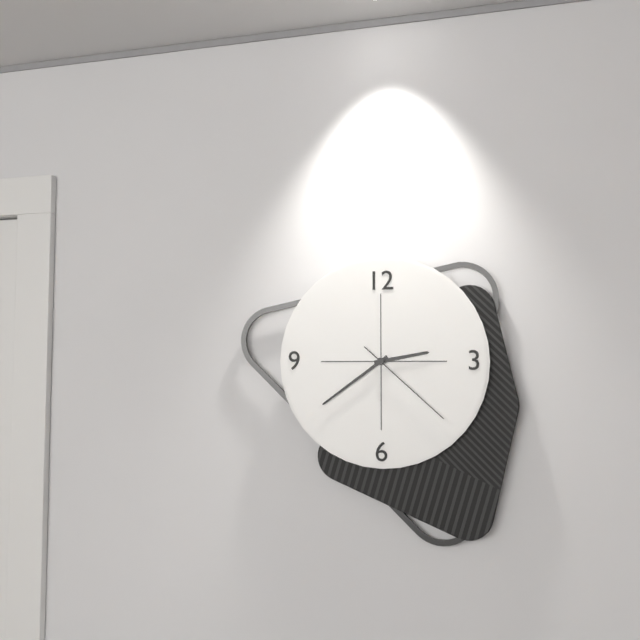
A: 2 h 39 min 22 s
